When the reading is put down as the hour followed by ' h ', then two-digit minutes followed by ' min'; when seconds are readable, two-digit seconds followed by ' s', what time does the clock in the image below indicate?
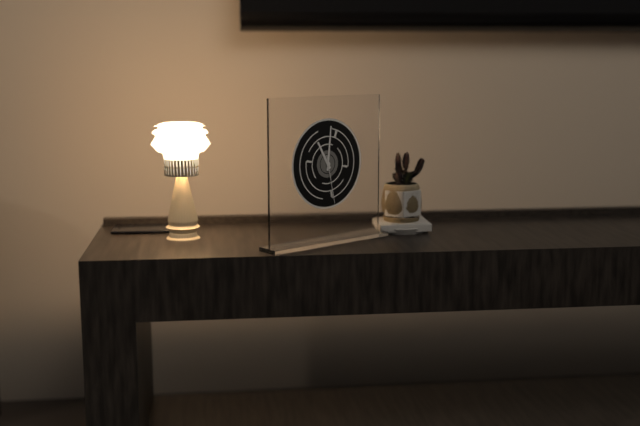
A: 11 h 01 min 28 s
